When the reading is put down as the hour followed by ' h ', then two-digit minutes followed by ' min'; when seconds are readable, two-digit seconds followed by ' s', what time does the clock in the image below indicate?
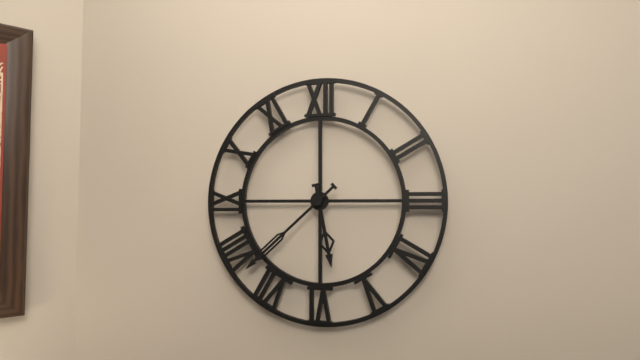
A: 5 h 38 min
